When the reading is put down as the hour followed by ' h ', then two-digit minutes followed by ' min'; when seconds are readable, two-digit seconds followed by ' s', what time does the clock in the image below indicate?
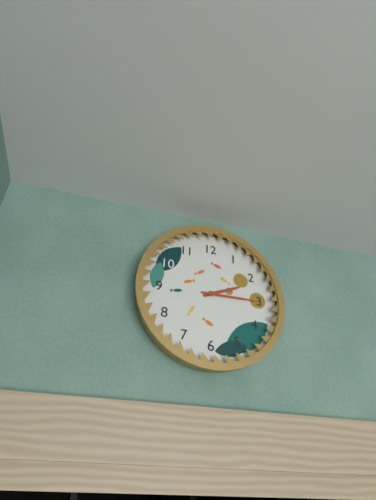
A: 2 h 15 min
